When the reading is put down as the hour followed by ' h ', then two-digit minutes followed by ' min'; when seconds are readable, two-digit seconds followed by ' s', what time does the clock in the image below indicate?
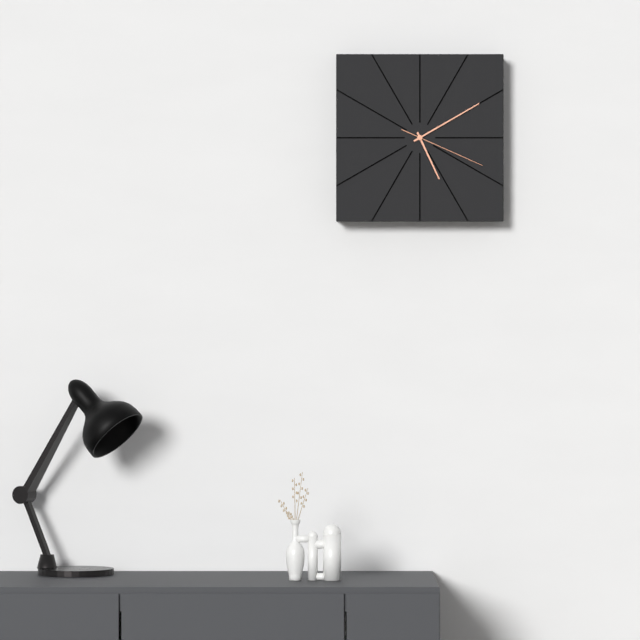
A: 5 h 10 min 19 s
